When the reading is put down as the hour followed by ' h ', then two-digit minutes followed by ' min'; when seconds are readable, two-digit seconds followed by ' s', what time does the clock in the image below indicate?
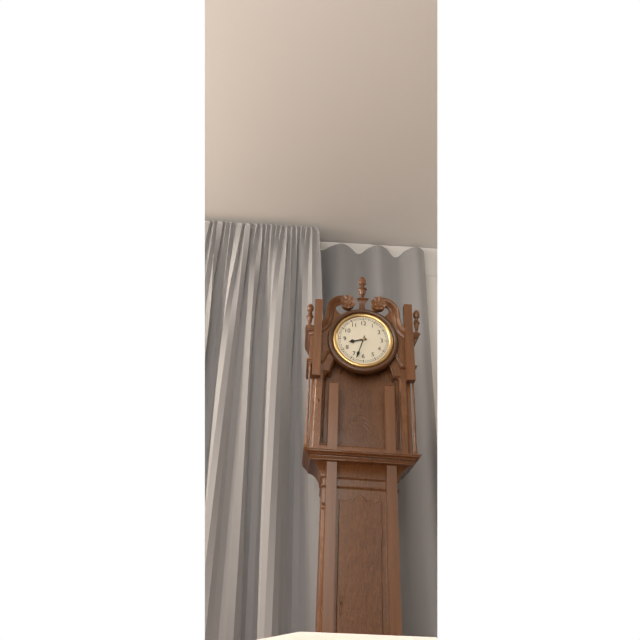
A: 8 h 33 min
